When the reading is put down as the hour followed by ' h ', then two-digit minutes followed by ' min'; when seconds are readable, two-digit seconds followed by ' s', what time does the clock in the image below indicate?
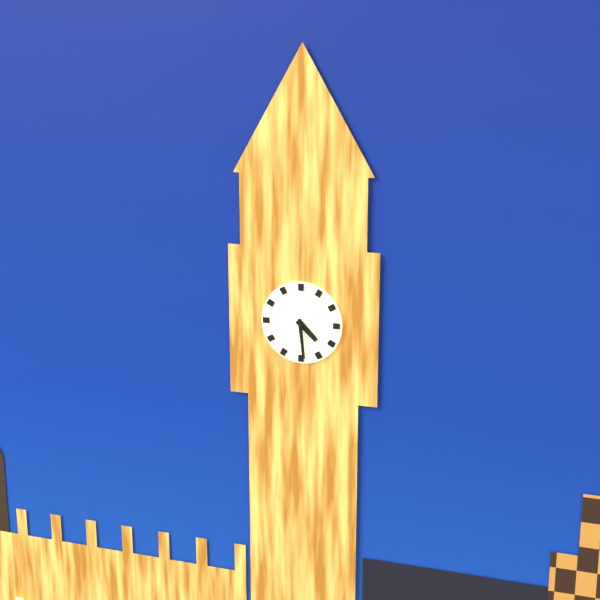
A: 4 h 29 min
